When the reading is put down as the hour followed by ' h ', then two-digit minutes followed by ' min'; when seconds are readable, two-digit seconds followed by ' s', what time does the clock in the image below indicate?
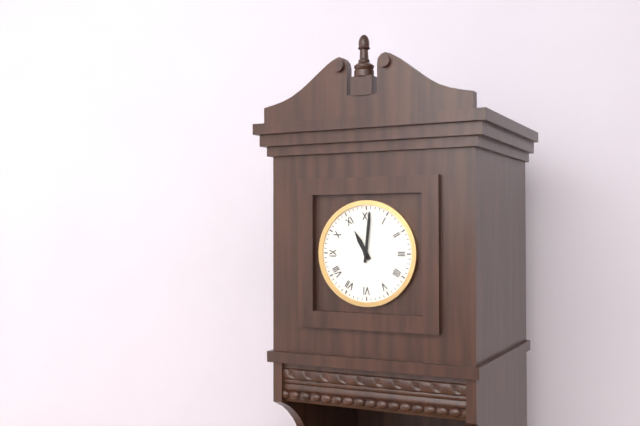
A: 11 h 01 min
